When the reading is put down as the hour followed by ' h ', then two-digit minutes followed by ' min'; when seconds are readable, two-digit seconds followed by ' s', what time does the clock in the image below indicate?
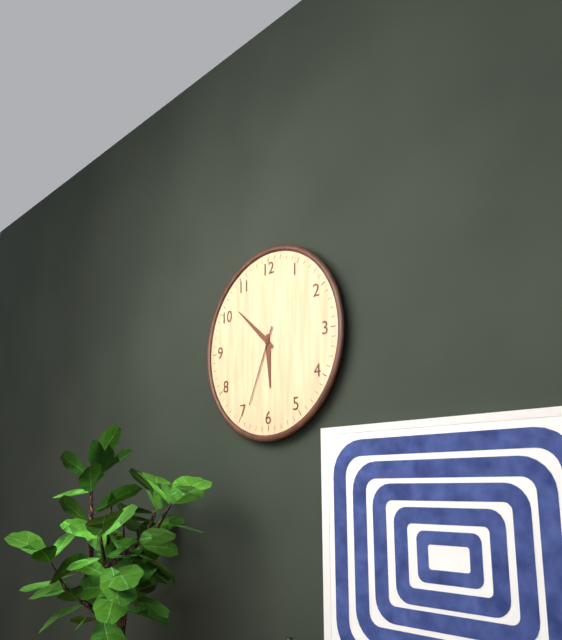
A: 5 h 52 min 34 s
